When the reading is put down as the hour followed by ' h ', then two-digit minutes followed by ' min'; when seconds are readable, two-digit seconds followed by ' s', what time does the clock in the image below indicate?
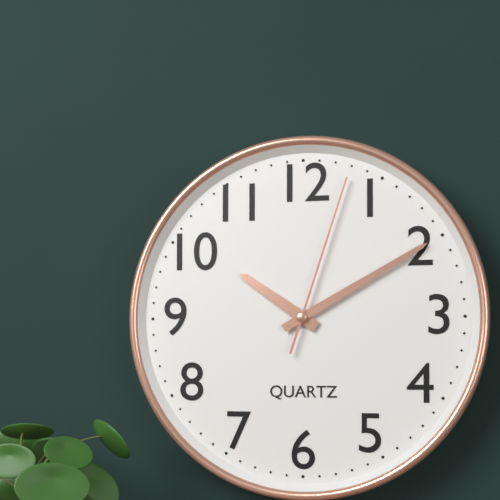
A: 10 h 10 min 03 s
